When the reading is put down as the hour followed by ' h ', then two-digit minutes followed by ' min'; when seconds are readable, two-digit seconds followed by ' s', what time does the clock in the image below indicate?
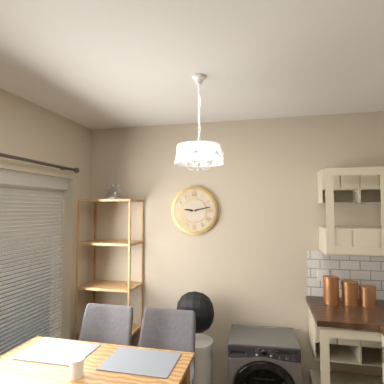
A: 9 h 13 min
